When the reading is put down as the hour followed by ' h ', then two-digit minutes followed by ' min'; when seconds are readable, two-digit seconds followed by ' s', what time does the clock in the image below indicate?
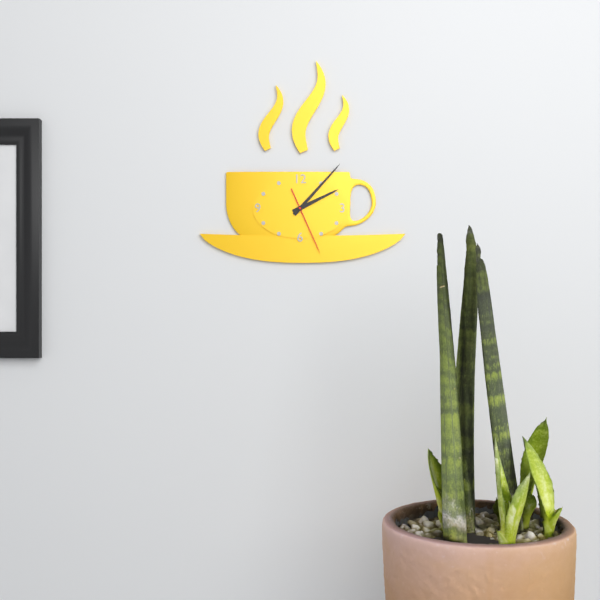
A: 2 h 07 min 26 s
